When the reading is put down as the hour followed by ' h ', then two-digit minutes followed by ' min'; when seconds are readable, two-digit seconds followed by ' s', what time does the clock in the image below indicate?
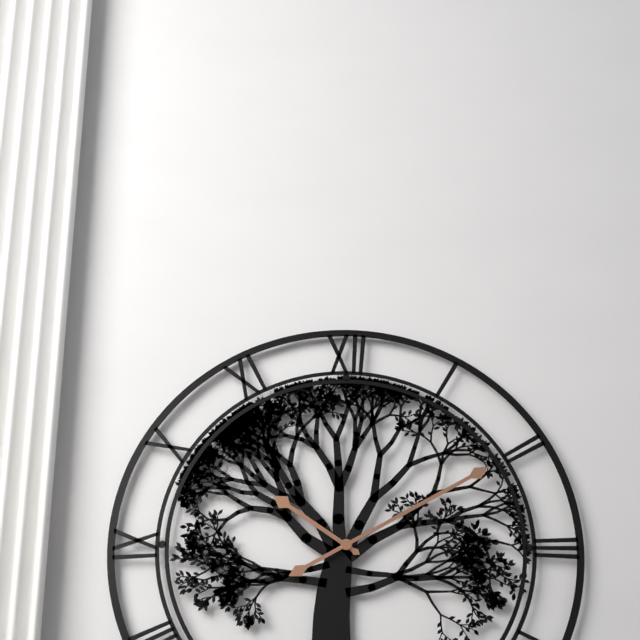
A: 10 h 10 min
